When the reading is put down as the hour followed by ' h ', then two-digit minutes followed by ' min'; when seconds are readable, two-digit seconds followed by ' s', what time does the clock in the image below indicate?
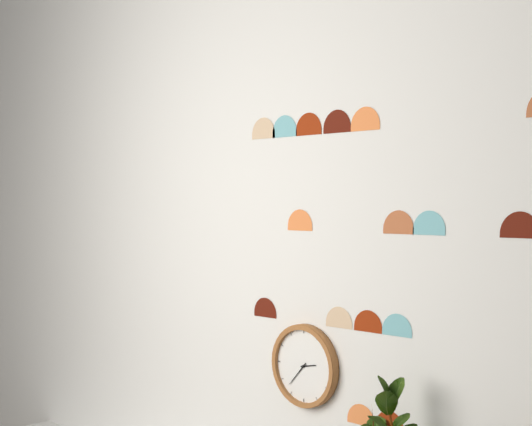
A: 2 h 37 min
